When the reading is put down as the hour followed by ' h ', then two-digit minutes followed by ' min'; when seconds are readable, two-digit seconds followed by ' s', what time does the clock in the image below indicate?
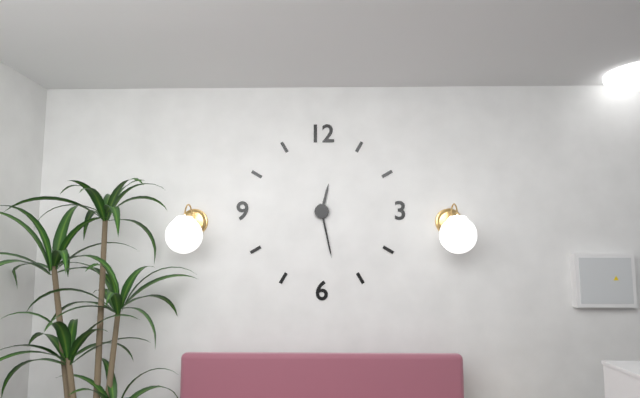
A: 12 h 28 min
